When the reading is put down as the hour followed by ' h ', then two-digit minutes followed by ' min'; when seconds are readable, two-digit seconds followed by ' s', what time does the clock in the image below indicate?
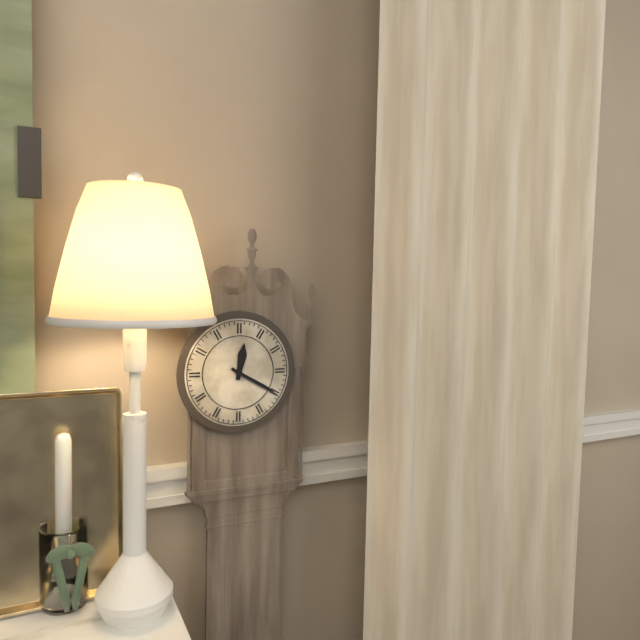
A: 12 h 20 min
